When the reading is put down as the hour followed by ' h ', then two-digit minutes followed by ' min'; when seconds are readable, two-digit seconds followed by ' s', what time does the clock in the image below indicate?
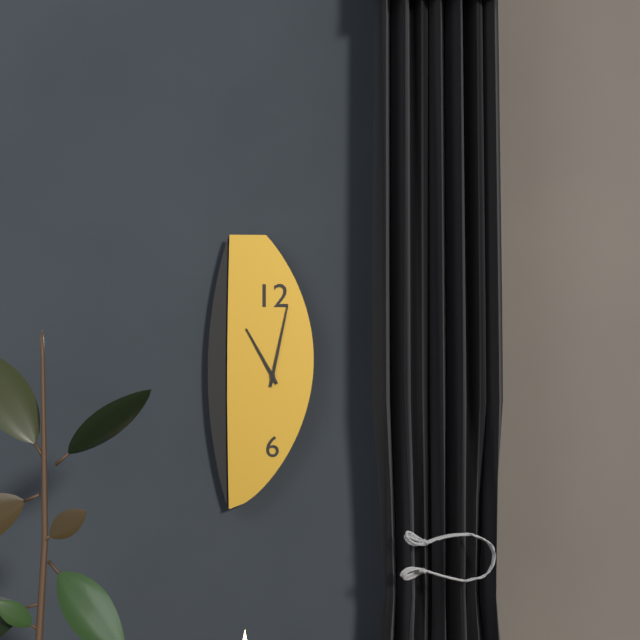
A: 11 h 02 min
